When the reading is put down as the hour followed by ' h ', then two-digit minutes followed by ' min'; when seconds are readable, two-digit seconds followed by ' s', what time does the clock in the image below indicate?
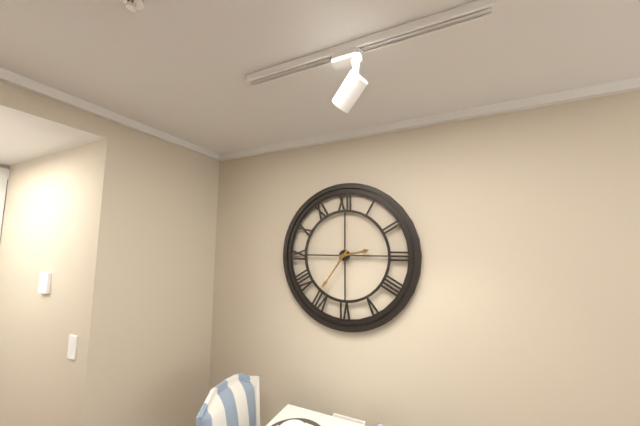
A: 2 h 36 min
